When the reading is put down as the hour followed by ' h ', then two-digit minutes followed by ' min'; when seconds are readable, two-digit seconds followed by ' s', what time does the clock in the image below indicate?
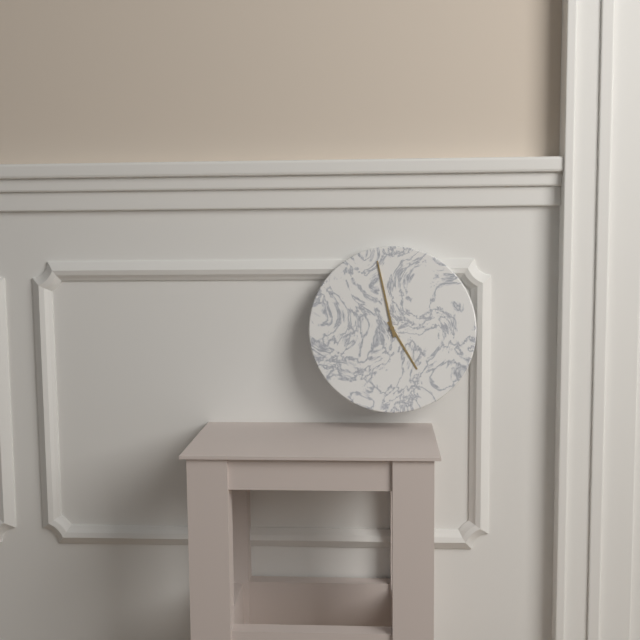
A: 4 h 58 min
